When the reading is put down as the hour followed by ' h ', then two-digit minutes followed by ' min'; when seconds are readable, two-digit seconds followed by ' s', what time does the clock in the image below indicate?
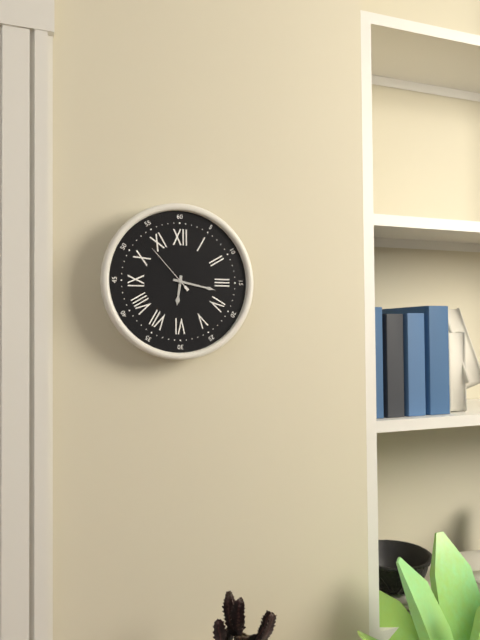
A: 6 h 17 min 53 s
